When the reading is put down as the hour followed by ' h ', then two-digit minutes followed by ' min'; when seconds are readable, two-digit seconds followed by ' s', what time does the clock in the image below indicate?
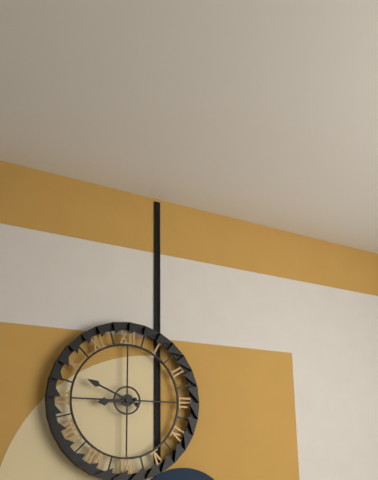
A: 8 h 49 min
